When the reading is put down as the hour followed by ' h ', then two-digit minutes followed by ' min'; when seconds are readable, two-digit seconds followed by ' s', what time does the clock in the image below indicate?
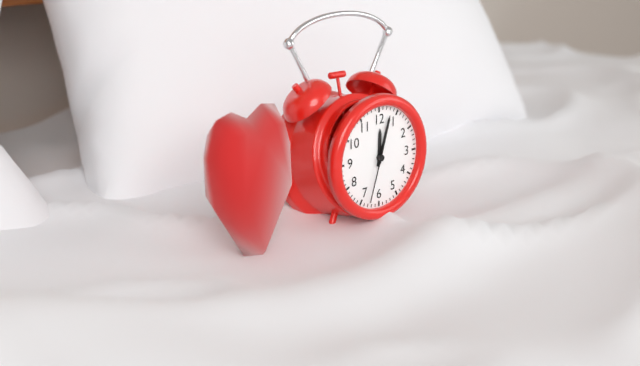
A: 12 h 03 min 33 s
